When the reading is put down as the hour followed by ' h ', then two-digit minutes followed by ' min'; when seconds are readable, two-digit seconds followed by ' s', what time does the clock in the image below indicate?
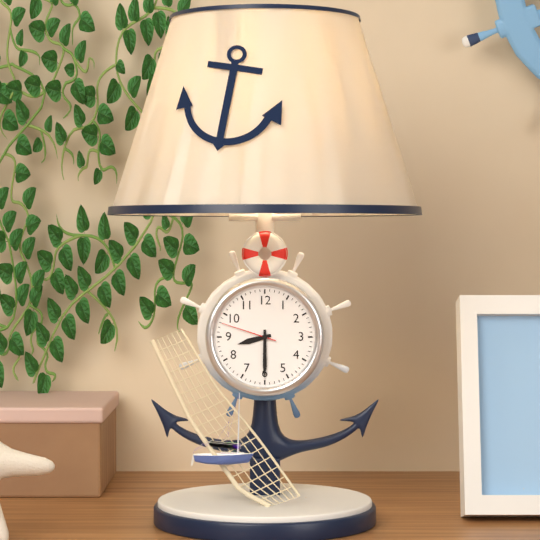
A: 8 h 30 min 48 s
